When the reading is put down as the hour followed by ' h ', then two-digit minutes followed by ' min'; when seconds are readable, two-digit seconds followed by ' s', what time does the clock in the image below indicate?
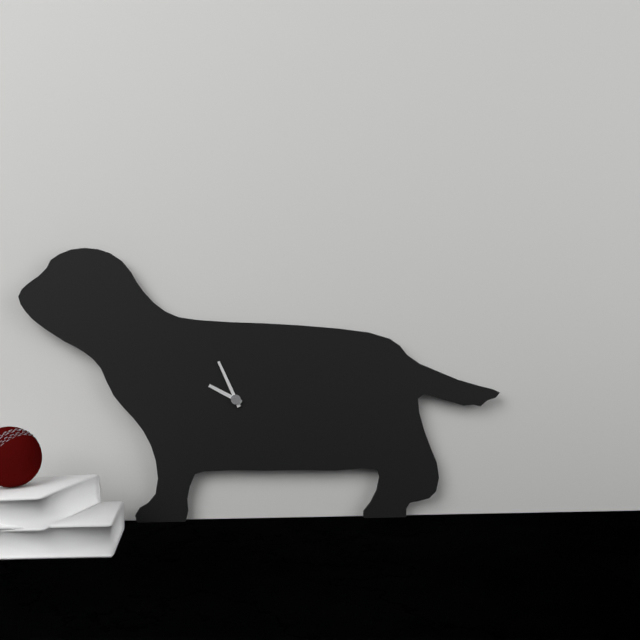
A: 9 h 56 min
